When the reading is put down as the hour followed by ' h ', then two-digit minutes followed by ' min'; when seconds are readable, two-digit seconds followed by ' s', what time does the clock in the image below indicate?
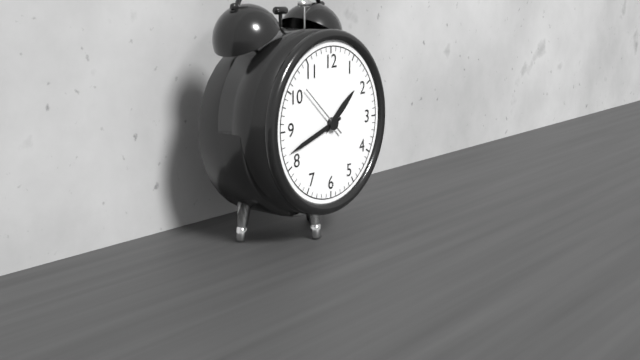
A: 1 h 42 min 52 s
